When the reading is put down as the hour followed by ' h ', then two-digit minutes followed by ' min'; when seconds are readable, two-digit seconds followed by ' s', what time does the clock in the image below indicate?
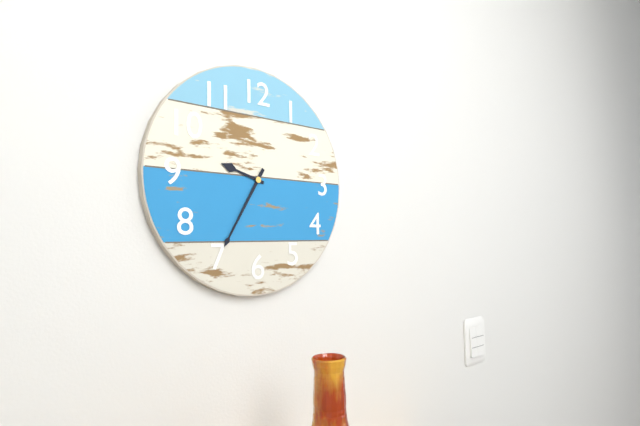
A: 9 h 35 min
